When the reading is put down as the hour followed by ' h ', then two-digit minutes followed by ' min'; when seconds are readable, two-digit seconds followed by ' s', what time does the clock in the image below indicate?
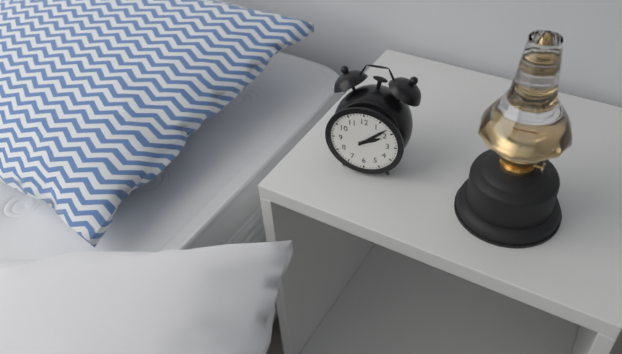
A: 2 h 08 min
